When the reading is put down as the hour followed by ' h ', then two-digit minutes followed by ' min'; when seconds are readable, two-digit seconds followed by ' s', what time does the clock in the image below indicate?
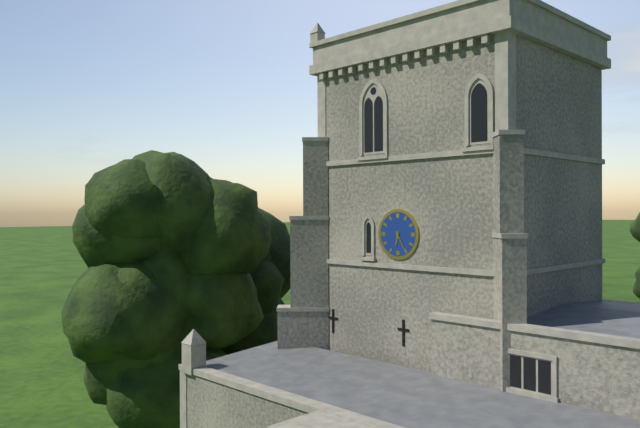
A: 6 h 25 min
